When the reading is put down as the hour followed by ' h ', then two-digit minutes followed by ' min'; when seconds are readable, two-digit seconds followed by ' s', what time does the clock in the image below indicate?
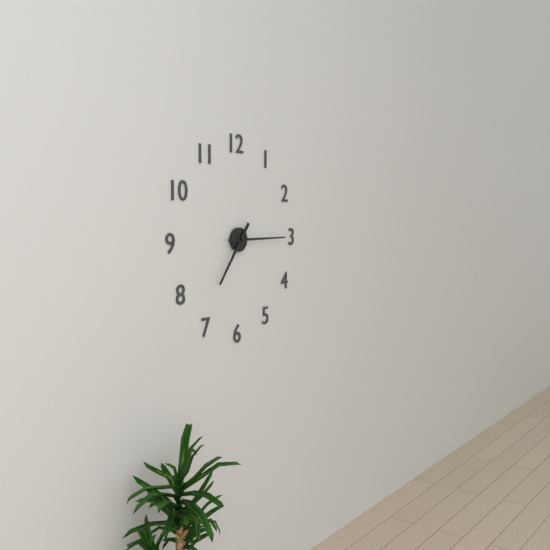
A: 7 h 15 min
